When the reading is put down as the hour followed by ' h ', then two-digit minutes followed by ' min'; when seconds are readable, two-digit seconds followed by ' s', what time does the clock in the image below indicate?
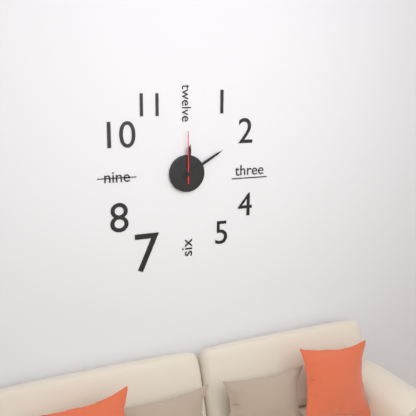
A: 12 h 10 min 00 s
